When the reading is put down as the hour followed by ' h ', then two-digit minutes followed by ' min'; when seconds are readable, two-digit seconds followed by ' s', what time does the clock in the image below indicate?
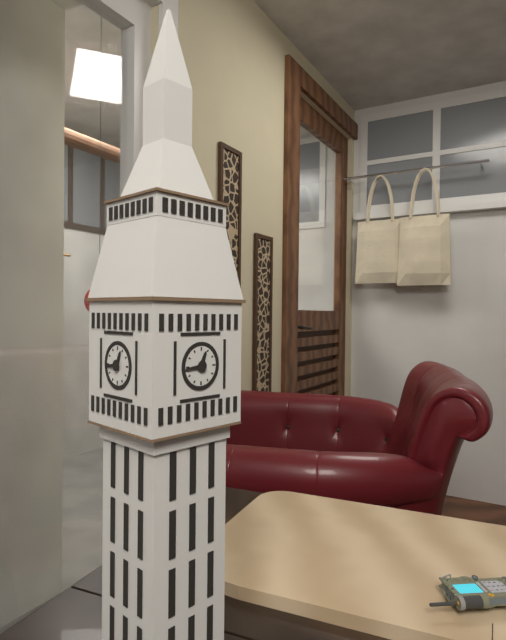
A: 12 h 44 min
